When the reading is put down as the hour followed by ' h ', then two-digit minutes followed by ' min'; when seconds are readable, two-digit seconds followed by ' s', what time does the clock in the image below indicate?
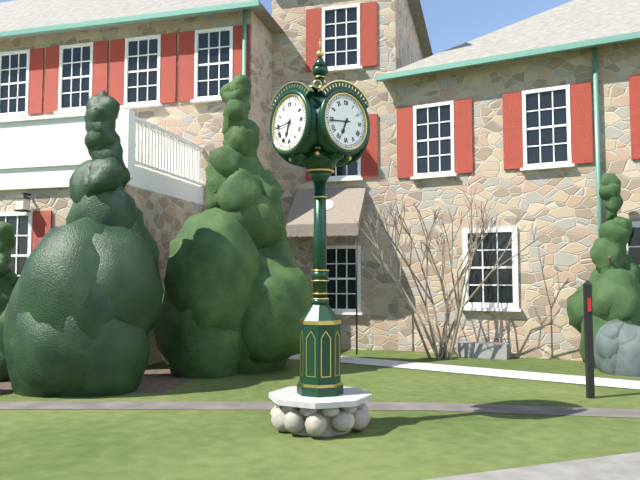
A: 6 h 44 min
